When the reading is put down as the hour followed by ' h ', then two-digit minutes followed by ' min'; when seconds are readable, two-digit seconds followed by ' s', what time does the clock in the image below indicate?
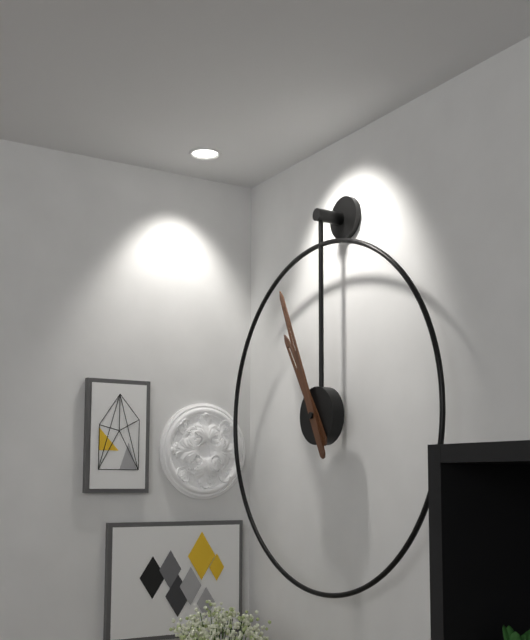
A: 10 h 56 min
